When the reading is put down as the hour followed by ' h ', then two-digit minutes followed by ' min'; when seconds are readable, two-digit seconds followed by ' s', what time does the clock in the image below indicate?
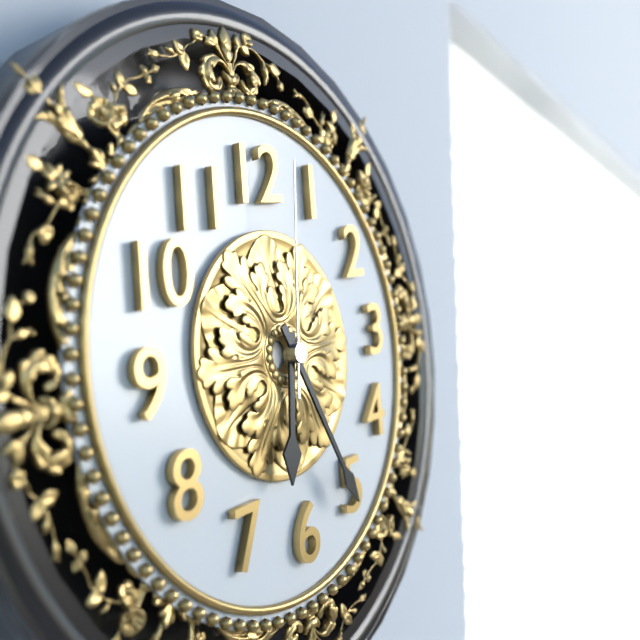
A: 6 h 26 min 02 s
